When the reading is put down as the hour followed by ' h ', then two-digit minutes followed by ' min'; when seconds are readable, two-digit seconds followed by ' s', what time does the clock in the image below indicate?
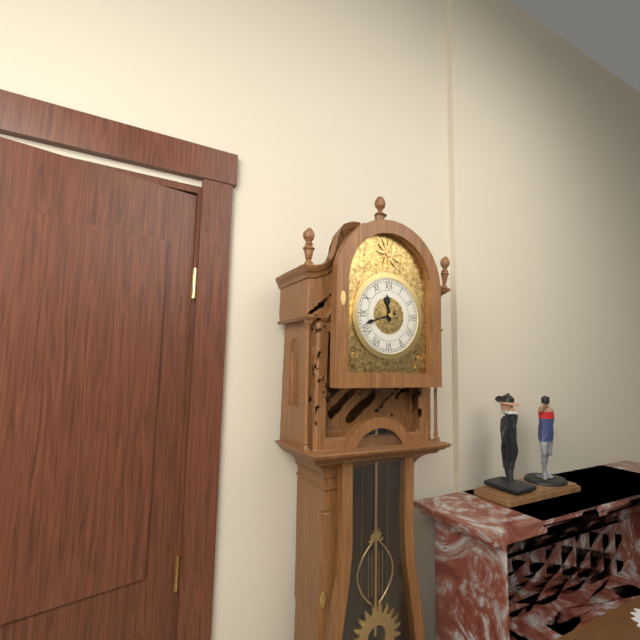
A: 11 h 42 min
